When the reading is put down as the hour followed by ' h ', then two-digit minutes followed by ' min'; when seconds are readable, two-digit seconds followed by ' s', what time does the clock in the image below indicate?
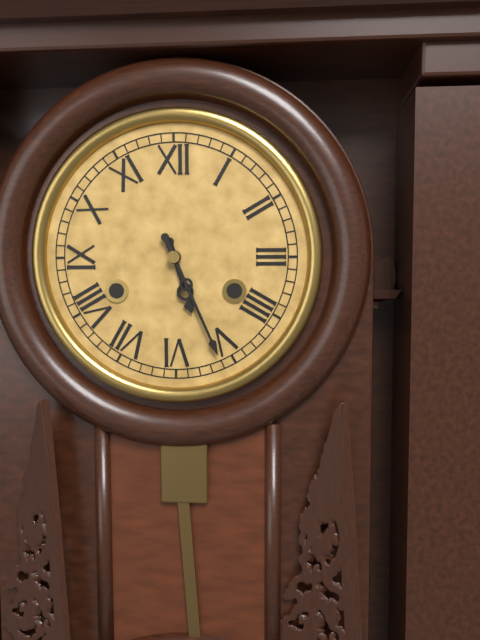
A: 5 h 26 min
